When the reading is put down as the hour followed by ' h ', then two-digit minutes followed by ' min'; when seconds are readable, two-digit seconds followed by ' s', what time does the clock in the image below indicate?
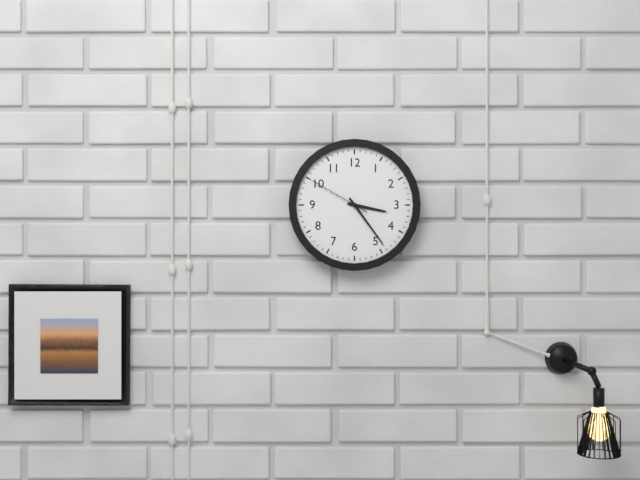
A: 3 h 24 min 50 s
